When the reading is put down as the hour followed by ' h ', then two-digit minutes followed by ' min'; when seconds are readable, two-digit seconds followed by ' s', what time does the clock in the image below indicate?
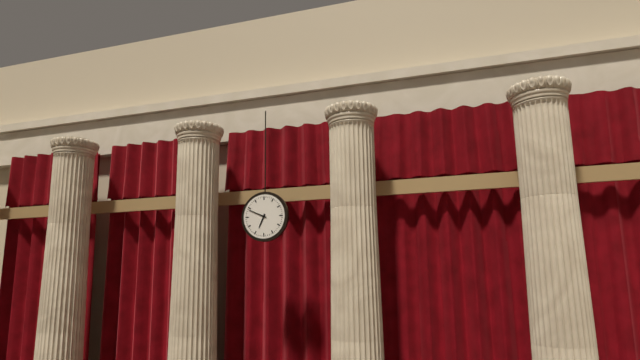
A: 6 h 49 min
